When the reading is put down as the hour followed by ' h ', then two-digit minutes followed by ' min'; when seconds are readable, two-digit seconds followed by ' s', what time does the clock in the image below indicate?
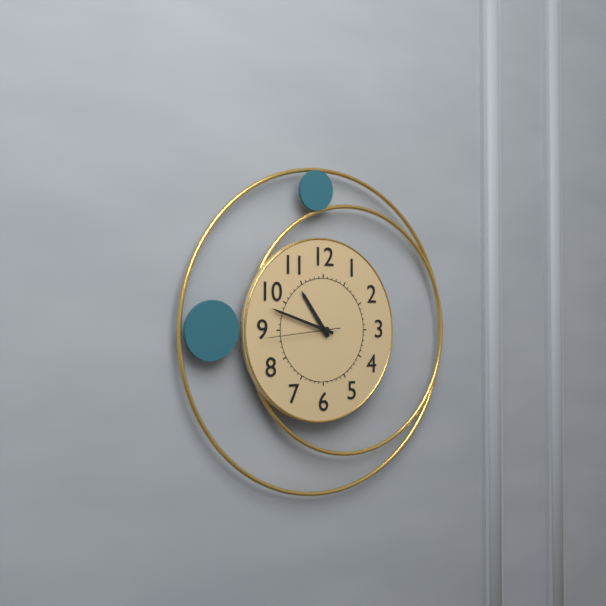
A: 10 h 48 min 44 s
